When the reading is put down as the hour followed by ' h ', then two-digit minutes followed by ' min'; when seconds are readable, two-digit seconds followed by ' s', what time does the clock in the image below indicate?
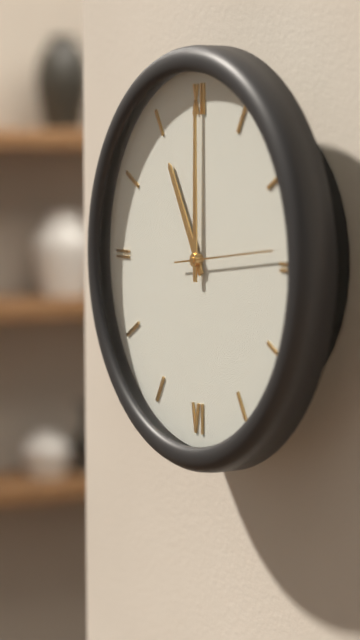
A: 11 h 00 min
